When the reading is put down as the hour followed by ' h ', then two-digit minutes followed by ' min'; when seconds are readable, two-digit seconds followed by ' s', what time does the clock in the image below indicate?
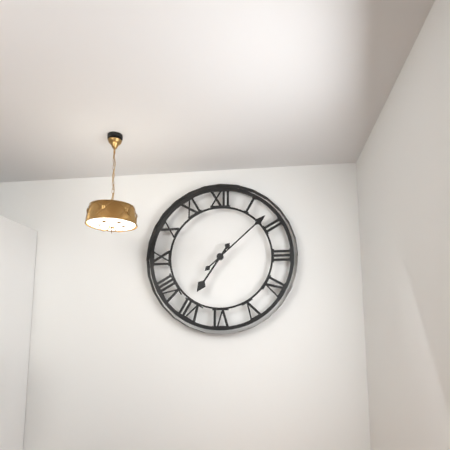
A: 7 h 08 min
